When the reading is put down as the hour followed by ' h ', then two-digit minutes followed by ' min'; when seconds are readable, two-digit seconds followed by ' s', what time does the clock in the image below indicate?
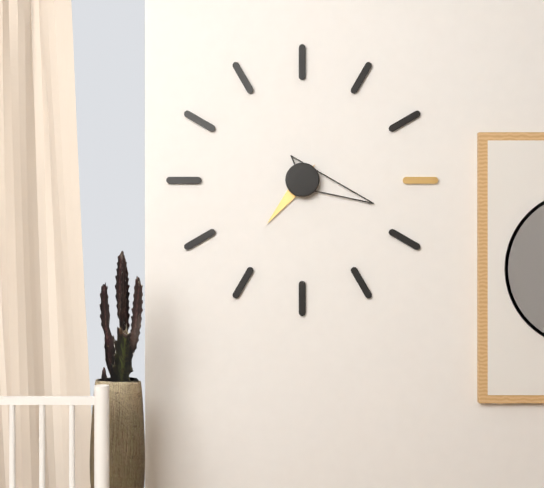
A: 7 h 18 min
